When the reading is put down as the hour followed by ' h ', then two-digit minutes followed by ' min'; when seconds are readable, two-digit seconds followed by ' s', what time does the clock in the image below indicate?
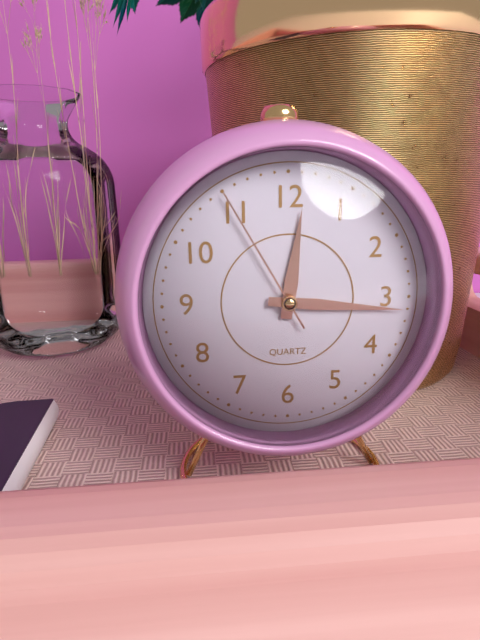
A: 12 h 16 min 55 s
